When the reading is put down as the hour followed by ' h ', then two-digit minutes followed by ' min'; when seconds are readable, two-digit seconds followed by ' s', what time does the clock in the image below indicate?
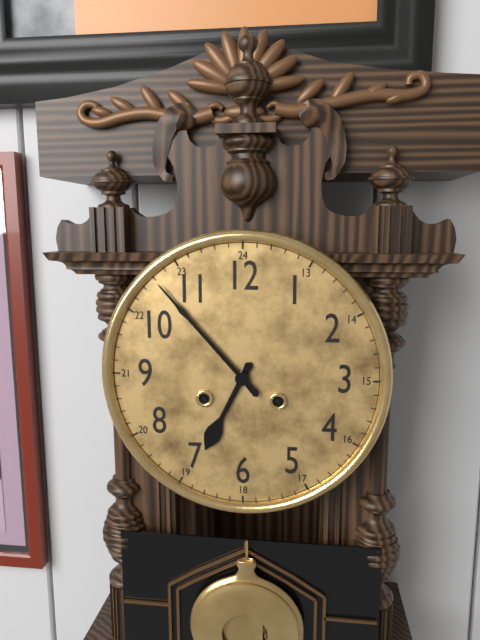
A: 6 h 53 min
